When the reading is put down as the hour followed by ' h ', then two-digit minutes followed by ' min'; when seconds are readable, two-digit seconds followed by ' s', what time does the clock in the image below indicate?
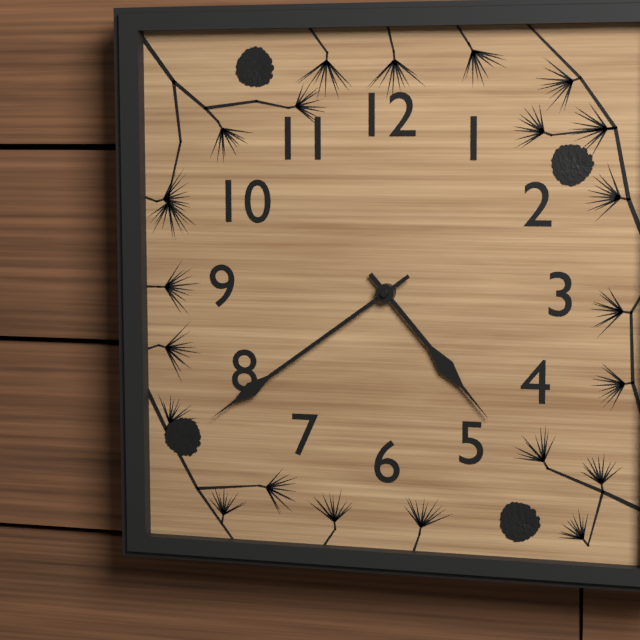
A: 4 h 39 min
